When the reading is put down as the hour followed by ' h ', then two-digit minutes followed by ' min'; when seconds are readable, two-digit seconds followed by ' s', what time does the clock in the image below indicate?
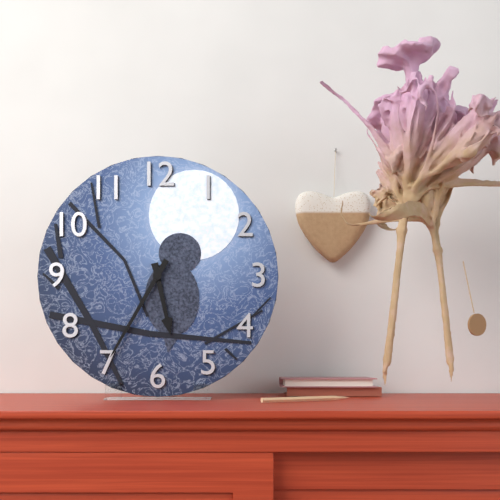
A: 5 h 35 min
